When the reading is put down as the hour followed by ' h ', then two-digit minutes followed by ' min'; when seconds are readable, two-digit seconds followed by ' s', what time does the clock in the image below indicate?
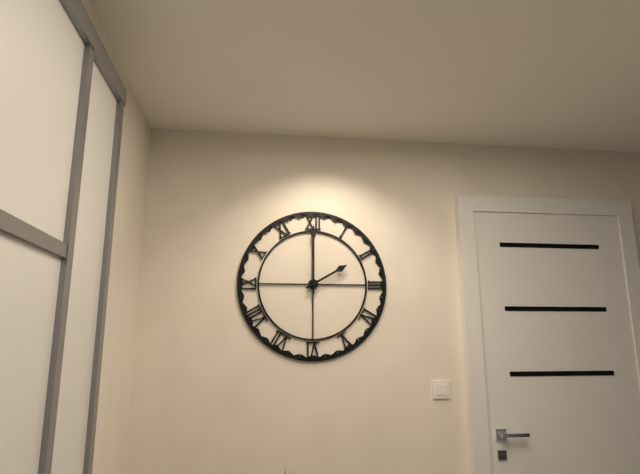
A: 2 h 00 min
